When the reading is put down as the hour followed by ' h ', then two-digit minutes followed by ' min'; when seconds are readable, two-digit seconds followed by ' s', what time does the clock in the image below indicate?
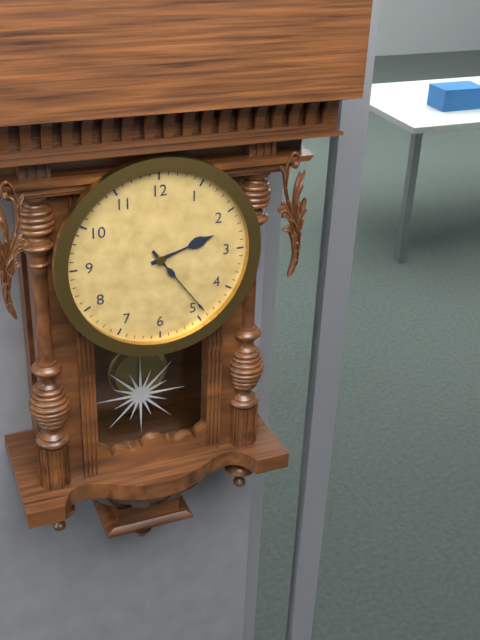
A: 2 h 24 min
